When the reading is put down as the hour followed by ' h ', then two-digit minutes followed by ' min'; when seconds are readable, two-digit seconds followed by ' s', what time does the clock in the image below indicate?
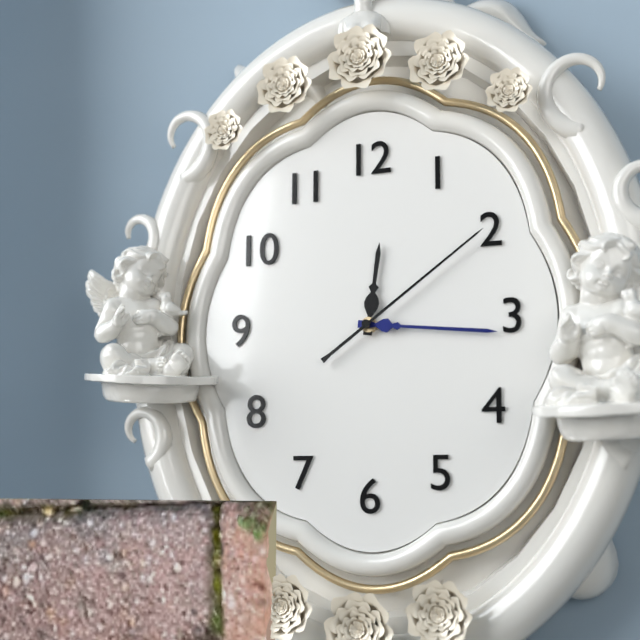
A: 12 h 16 min 09 s
